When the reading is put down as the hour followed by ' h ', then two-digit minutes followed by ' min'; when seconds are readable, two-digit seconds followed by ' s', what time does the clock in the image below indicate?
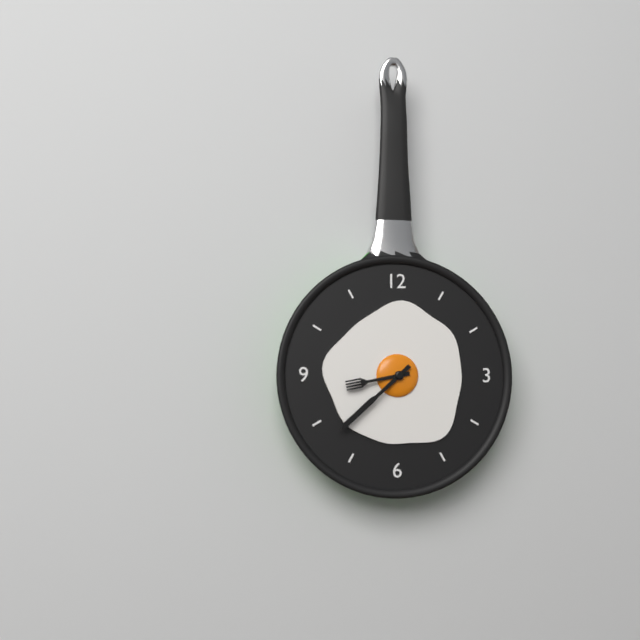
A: 8 h 38 min
